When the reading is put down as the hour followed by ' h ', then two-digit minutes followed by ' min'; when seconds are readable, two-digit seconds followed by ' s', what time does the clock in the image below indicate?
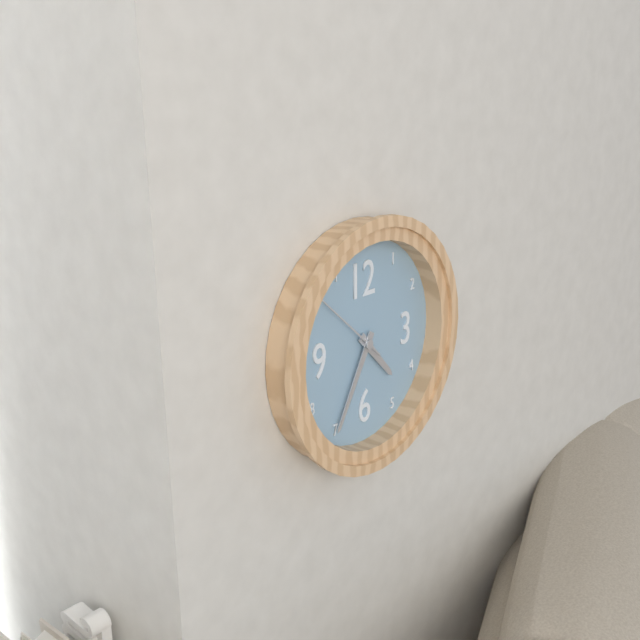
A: 4 h 35 min 52 s
